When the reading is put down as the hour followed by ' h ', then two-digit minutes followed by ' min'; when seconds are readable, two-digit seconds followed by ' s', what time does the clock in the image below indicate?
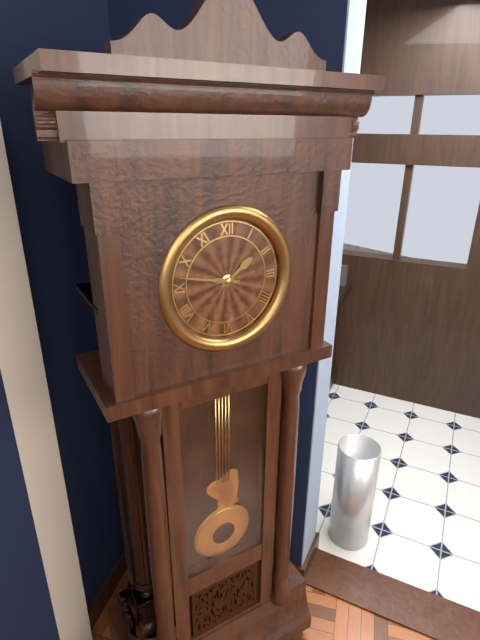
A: 1 h 47 min
